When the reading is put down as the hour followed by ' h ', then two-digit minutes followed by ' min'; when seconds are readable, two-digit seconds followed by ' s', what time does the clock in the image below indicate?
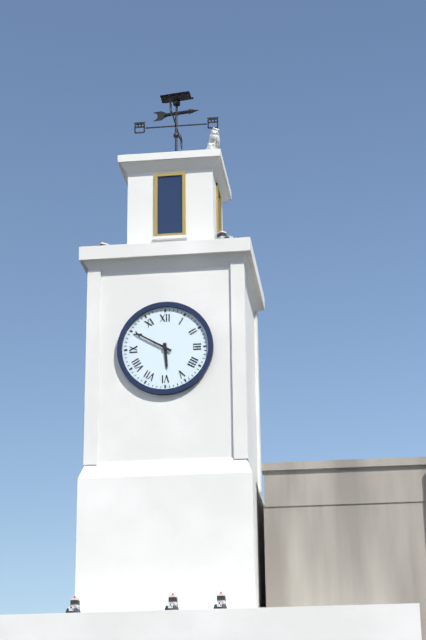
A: 5 h 50 min
